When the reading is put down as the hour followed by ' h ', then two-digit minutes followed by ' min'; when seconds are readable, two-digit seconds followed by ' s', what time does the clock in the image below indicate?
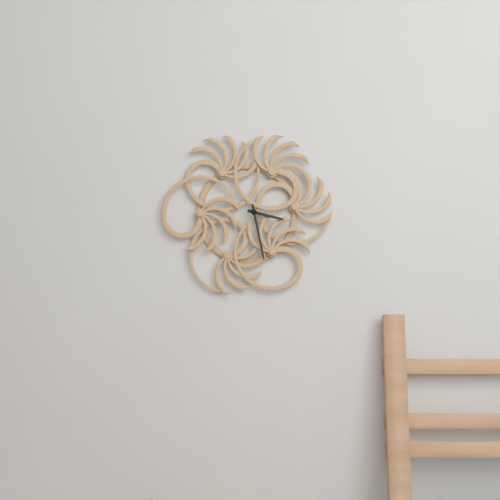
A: 3 h 28 min
